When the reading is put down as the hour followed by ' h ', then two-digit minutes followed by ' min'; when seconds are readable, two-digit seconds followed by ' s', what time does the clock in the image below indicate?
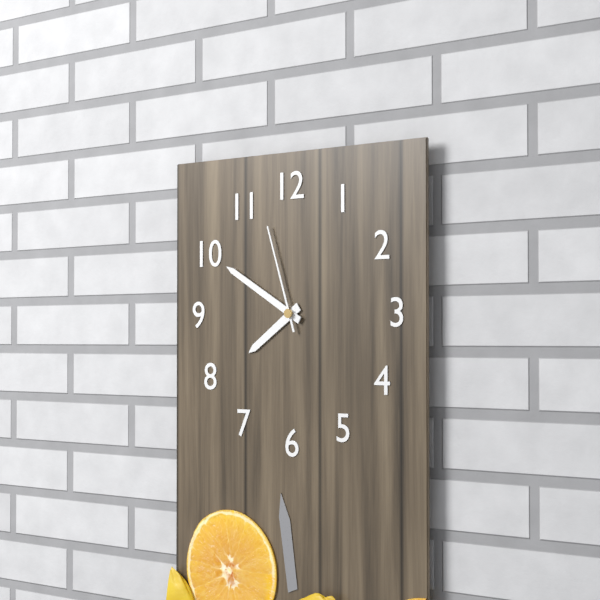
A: 7 h 50 min 57 s
